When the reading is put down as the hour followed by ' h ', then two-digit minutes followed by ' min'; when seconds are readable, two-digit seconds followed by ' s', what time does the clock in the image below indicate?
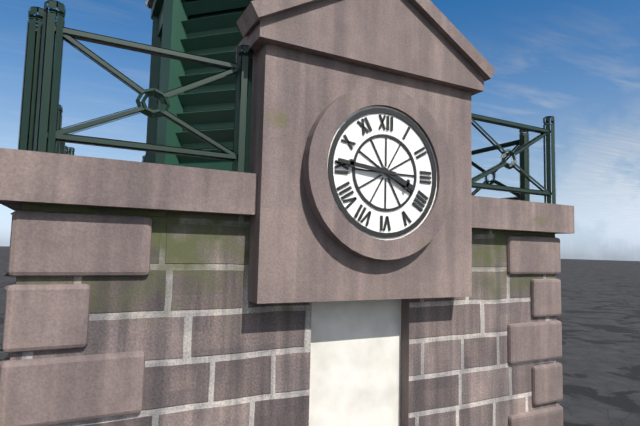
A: 3 h 46 min
